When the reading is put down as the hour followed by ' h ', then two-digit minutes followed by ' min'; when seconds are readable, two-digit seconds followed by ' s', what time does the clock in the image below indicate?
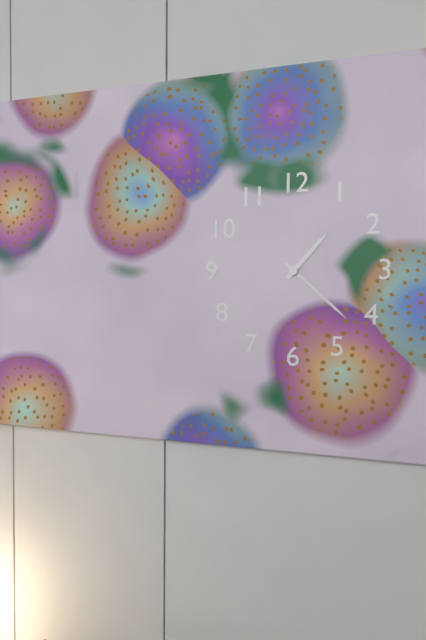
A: 1 h 22 min
